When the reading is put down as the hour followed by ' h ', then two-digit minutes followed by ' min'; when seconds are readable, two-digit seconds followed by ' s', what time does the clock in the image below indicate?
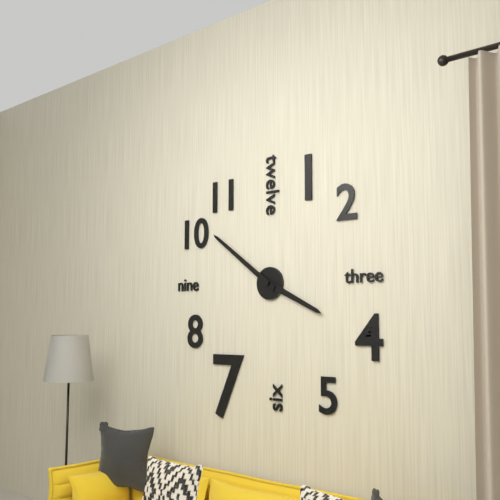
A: 3 h 51 min
